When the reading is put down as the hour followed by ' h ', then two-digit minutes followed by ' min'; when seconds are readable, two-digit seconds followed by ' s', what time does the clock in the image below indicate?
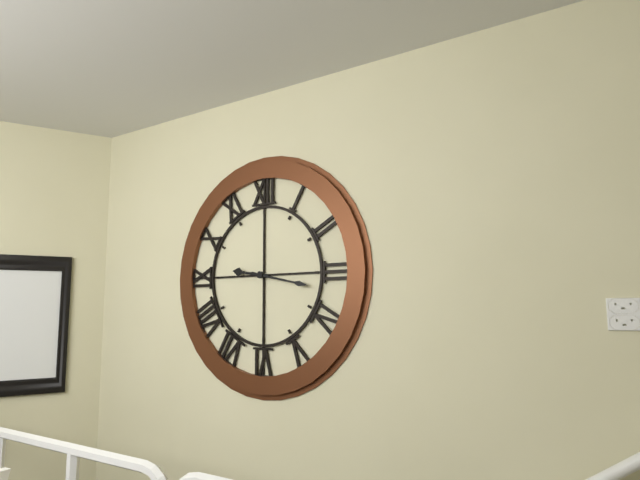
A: 9 h 17 min
